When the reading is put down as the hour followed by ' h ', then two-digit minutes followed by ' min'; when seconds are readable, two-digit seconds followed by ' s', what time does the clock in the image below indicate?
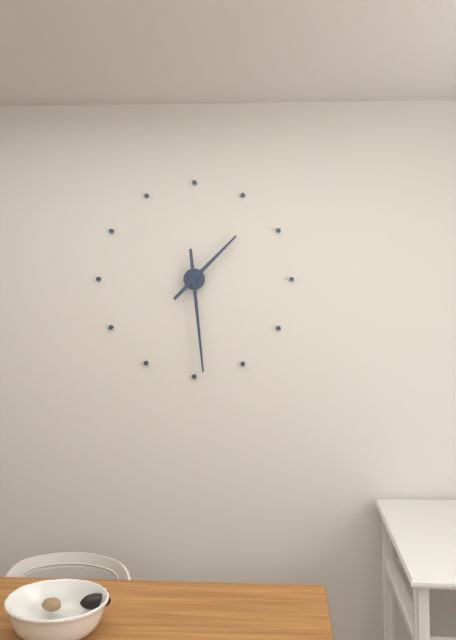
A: 1 h 29 min
